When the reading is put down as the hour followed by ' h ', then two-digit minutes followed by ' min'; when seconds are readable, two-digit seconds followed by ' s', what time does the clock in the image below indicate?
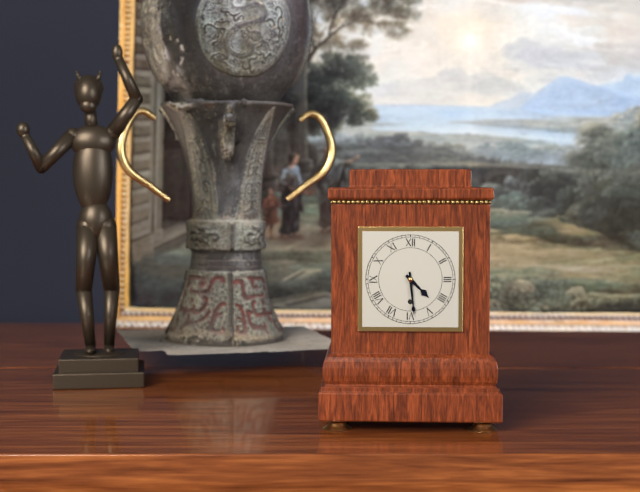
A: 4 h 29 min
